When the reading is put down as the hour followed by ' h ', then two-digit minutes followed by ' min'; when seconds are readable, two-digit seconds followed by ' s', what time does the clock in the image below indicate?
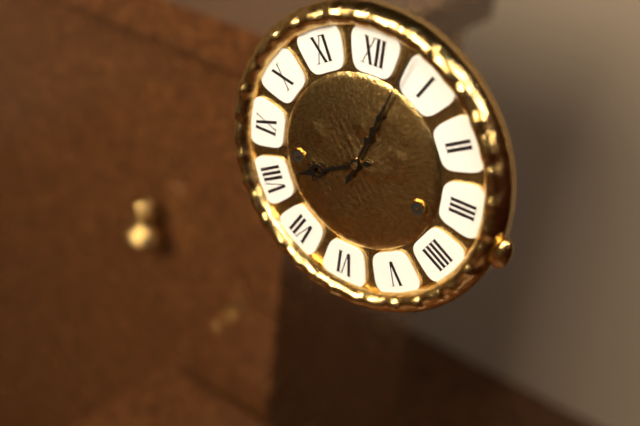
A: 8 h 03 min
